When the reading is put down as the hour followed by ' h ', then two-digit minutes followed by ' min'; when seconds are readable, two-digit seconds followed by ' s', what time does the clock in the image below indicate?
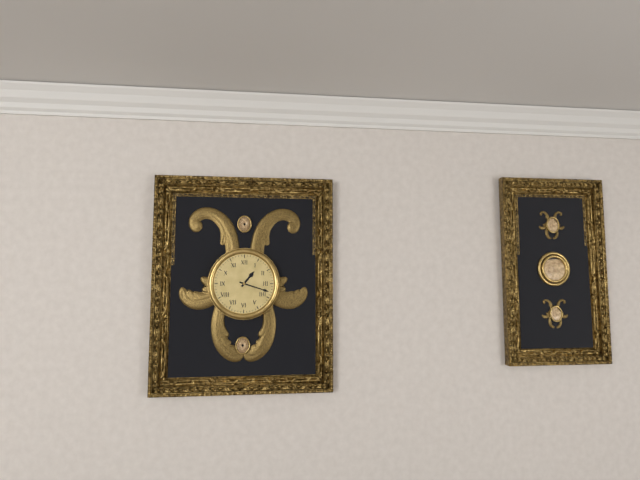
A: 1 h 18 min
